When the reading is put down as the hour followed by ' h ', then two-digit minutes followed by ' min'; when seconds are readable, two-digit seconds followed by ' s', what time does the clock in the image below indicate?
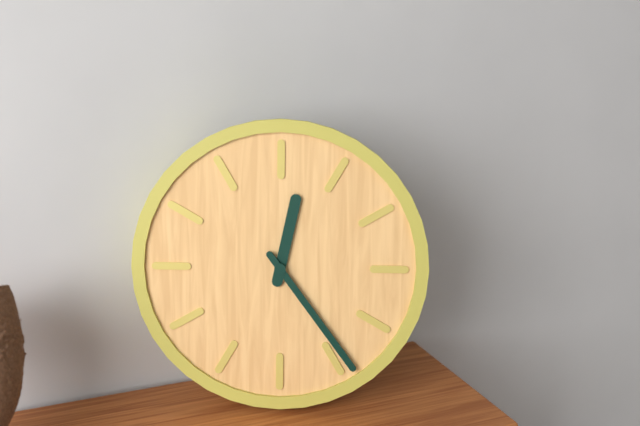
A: 12 h 24 min
